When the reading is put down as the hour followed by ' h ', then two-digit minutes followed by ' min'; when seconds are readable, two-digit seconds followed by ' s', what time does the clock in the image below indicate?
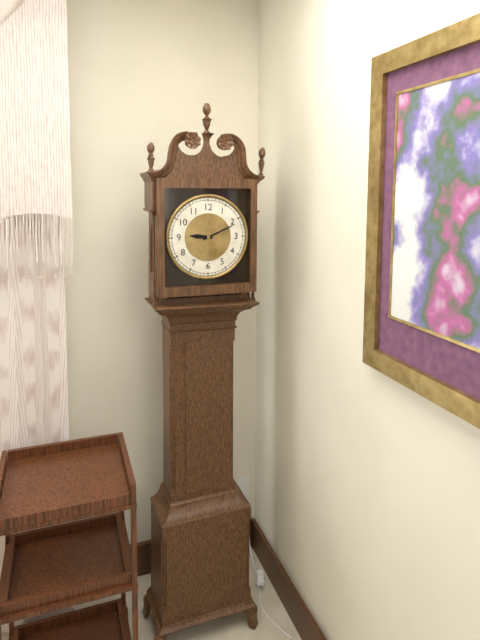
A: 9 h 11 min
